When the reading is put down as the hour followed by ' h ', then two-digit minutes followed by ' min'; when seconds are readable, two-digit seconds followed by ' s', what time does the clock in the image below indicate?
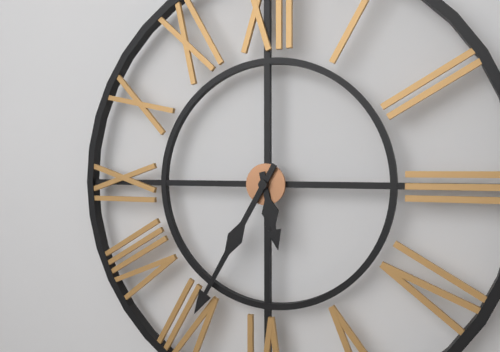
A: 5 h 35 min
